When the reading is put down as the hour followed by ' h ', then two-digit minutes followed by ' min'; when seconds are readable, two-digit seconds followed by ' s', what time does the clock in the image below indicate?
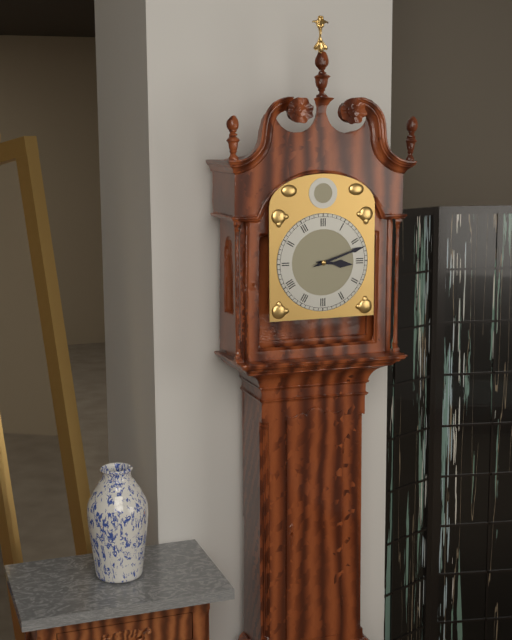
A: 3 h 12 min
